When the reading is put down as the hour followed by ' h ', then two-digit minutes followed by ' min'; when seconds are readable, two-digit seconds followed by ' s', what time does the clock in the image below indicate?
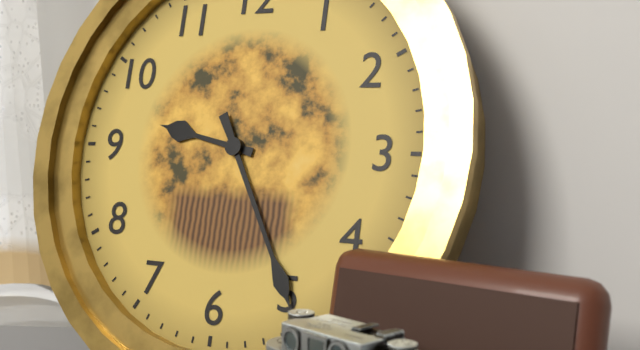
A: 9 h 25 min
